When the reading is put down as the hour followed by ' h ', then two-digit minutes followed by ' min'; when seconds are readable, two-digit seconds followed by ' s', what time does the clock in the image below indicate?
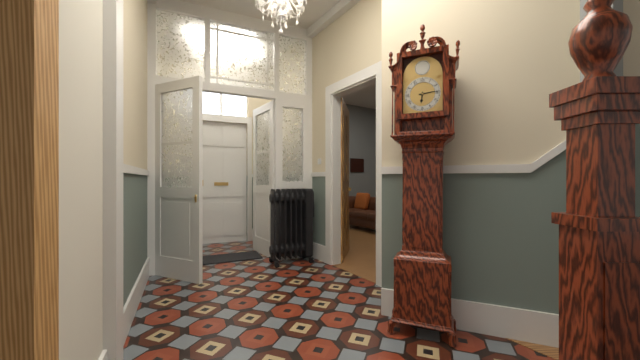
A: 6 h 14 min
